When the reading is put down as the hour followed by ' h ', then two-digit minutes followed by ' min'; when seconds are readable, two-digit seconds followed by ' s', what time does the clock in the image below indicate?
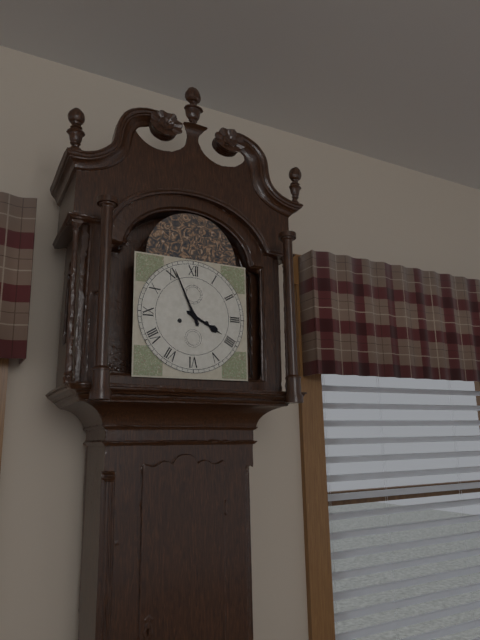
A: 3 h 56 min
